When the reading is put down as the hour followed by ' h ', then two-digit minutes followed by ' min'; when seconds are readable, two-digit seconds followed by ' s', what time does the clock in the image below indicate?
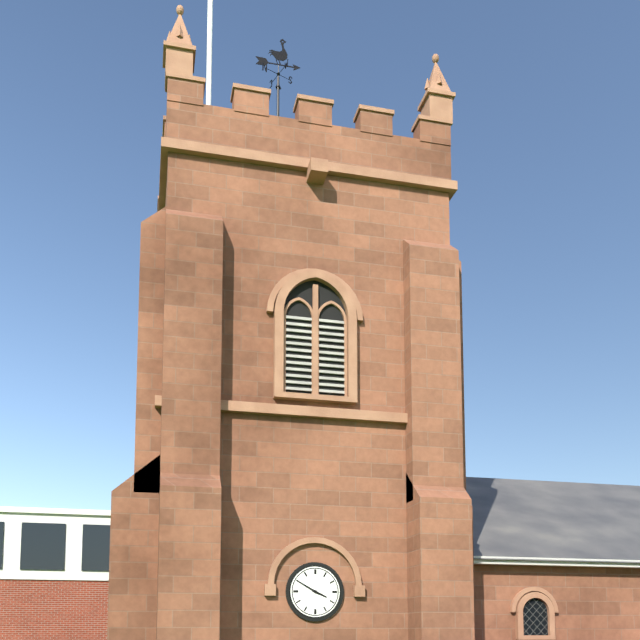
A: 3 h 50 min
